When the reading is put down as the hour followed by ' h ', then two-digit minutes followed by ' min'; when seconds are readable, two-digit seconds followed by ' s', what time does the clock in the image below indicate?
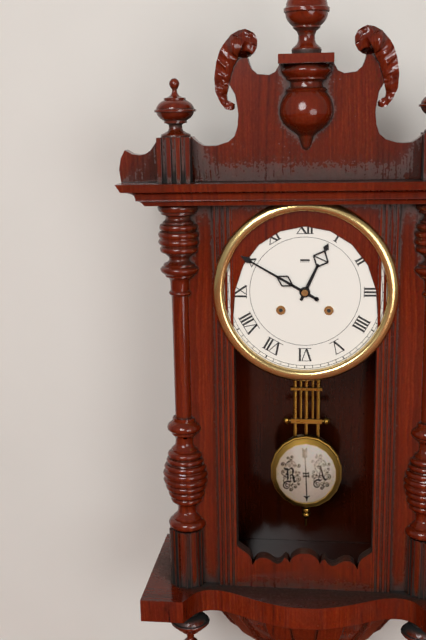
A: 12 h 50 min
